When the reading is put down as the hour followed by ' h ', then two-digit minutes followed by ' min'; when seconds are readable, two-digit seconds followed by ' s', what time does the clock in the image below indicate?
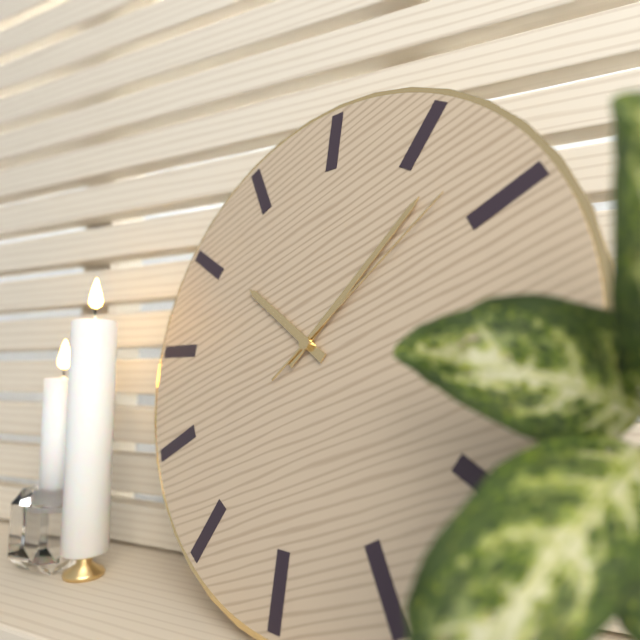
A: 10 h 07 min 08 s
